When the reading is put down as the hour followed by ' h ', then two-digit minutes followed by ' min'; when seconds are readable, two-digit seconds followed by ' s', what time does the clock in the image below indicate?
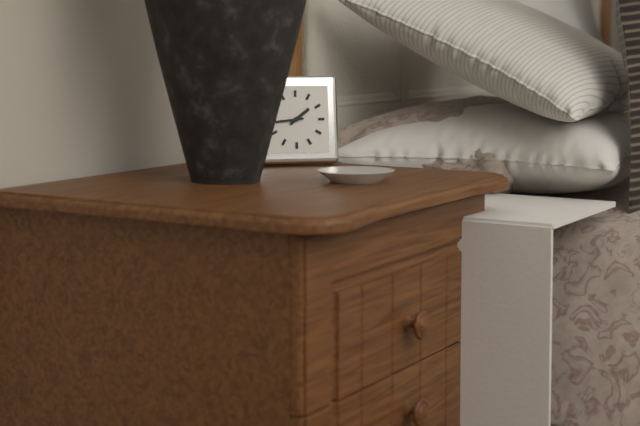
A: 1 h 44 min
